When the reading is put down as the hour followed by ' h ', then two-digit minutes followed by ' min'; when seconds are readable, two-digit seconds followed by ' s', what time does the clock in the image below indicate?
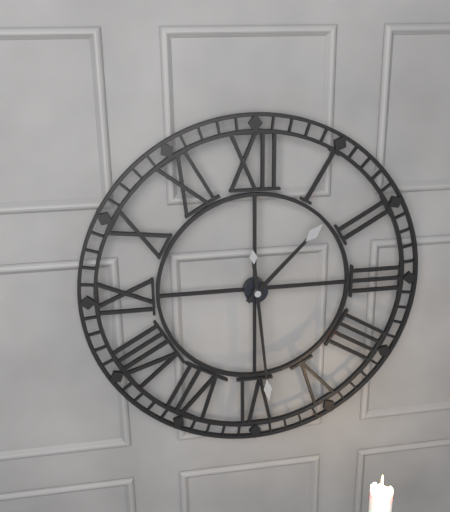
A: 1 h 29 min
